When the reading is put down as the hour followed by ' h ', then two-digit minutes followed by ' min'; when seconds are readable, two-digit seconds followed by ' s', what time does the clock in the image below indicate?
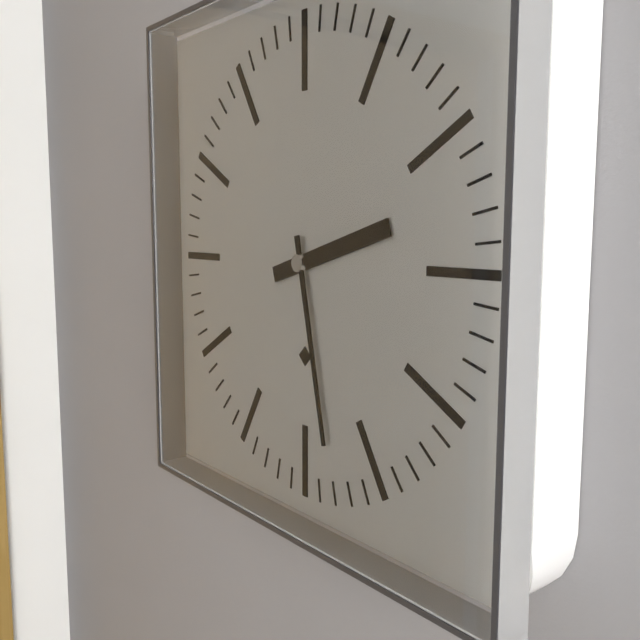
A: 2 h 28 min
